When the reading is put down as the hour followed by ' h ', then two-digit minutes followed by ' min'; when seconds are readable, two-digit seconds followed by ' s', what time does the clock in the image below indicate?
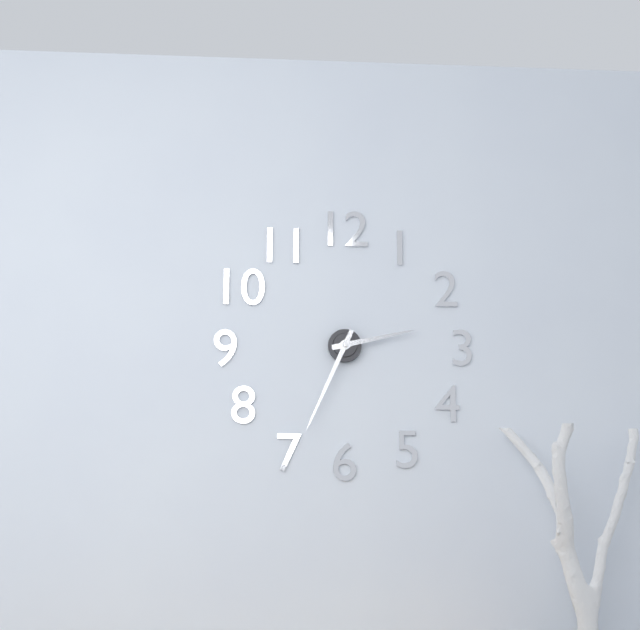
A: 2 h 34 min
